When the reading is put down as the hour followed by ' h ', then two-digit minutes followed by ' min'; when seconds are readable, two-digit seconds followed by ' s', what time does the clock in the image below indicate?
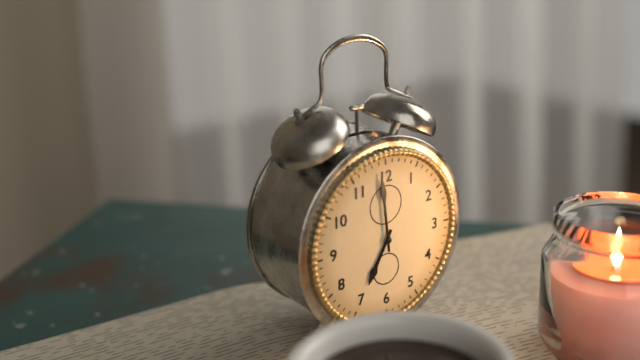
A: 6 h 59 min
